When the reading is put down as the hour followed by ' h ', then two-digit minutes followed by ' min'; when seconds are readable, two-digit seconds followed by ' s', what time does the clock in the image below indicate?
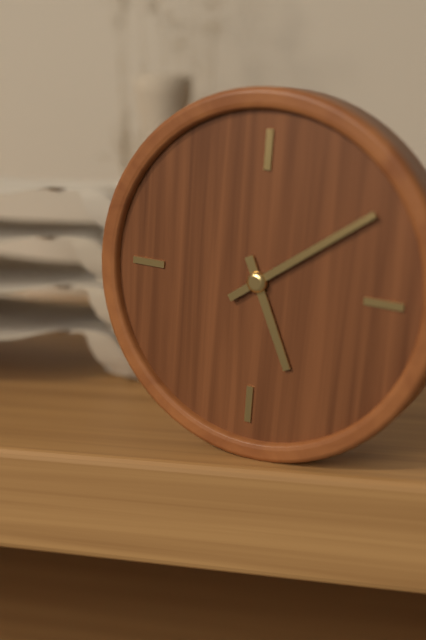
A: 5 h 09 min
